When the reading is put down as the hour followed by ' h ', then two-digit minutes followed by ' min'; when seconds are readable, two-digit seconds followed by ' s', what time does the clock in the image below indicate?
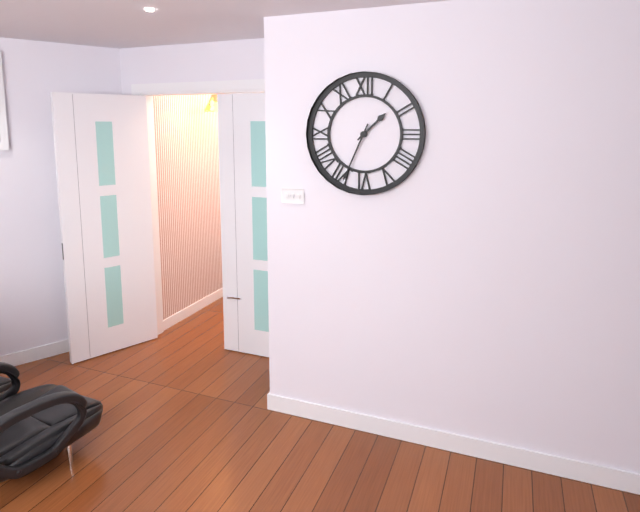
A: 1 h 34 min
